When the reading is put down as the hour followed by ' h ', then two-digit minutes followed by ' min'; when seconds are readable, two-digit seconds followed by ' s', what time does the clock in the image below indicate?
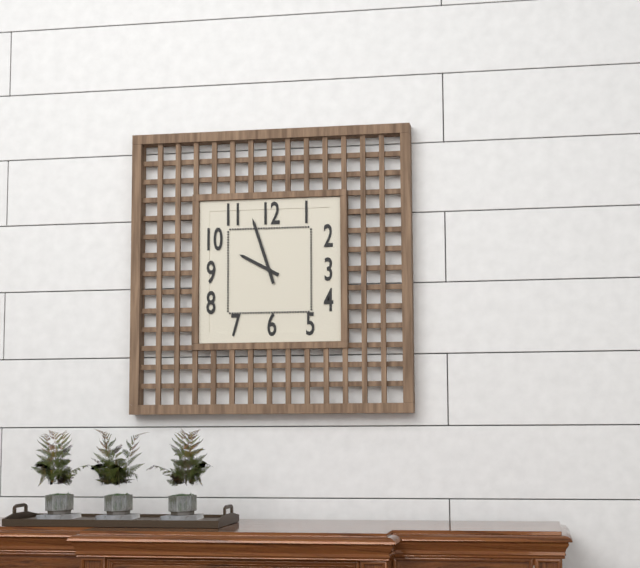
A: 9 h 57 min
